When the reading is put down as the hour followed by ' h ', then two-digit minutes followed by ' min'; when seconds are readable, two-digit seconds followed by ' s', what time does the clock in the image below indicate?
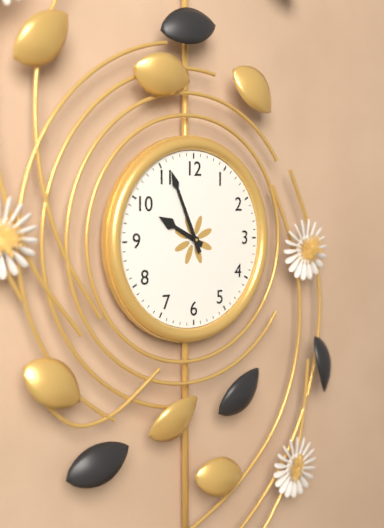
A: 9 h 56 min
